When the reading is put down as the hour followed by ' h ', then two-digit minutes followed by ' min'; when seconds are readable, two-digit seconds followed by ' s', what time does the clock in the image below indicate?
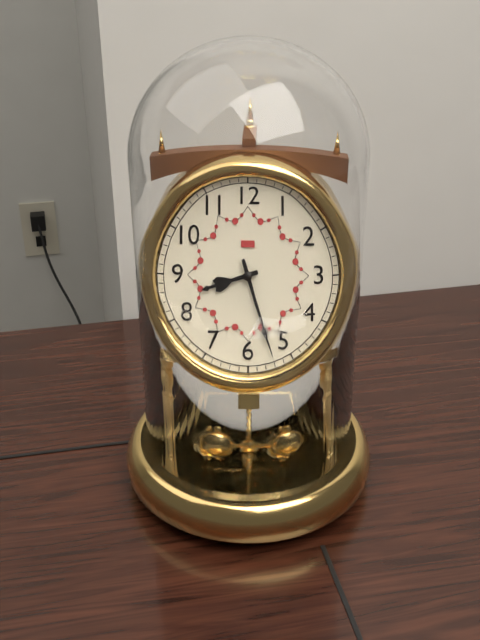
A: 8 h 27 min
